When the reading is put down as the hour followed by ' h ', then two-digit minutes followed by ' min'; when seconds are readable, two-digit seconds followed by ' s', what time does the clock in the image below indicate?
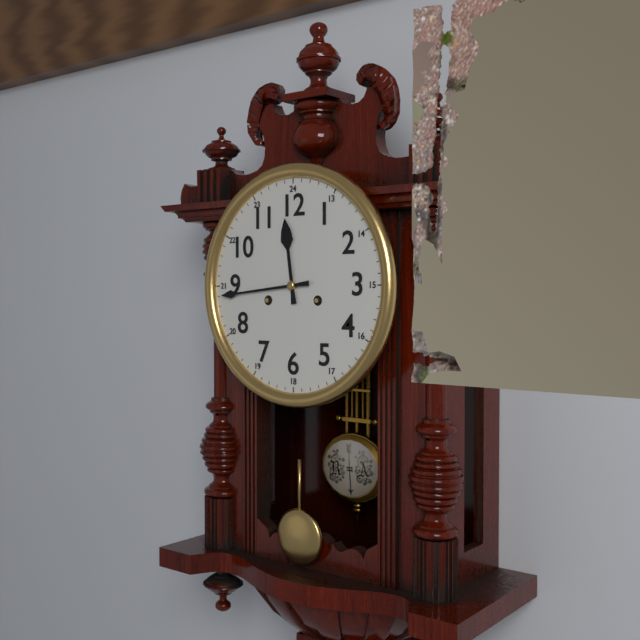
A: 11 h 44 min
